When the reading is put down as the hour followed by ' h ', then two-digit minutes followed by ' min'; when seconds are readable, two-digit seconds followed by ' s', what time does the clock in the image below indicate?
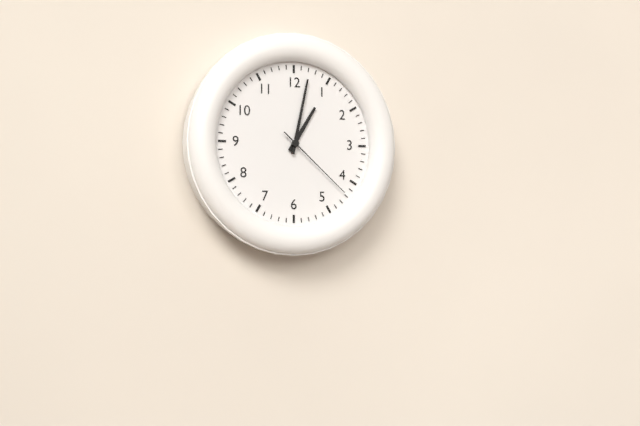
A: 1 h 02 min 22 s
